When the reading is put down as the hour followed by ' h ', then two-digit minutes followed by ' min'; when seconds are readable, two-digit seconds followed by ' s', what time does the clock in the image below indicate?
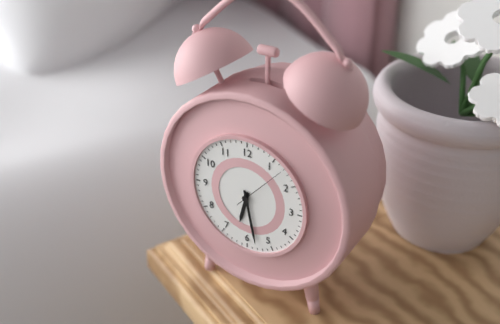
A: 6 h 28 min 07 s
